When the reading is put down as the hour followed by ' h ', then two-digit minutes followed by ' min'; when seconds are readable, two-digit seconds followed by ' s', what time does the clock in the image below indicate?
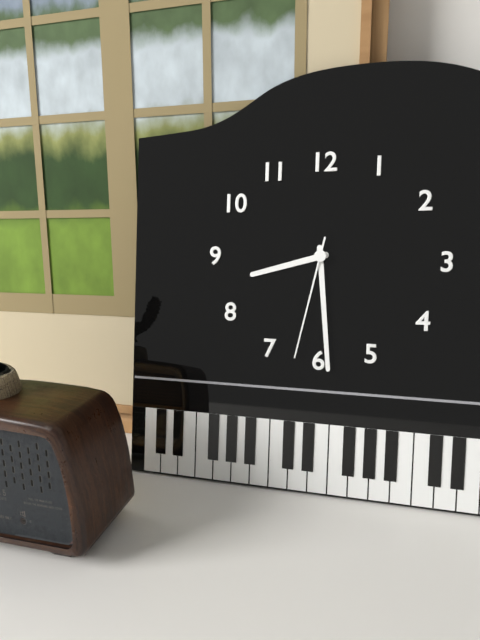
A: 8 h 29 min 32 s
